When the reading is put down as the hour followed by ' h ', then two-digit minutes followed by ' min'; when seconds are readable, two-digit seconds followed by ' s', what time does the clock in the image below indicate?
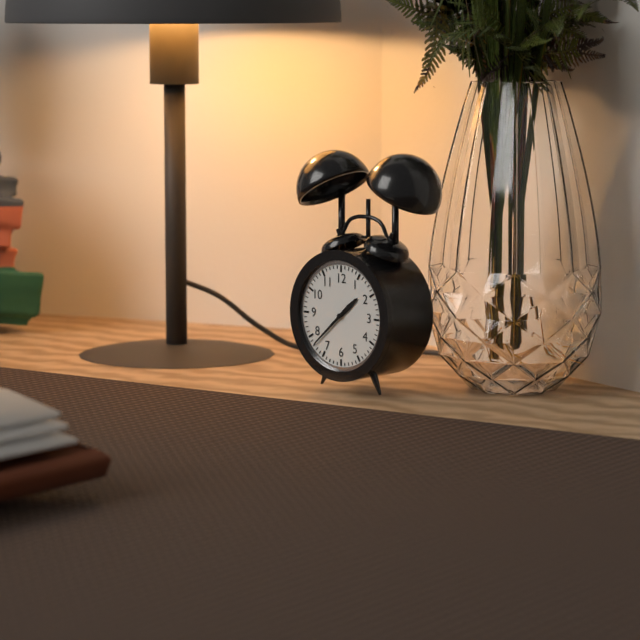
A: 1 h 38 min
